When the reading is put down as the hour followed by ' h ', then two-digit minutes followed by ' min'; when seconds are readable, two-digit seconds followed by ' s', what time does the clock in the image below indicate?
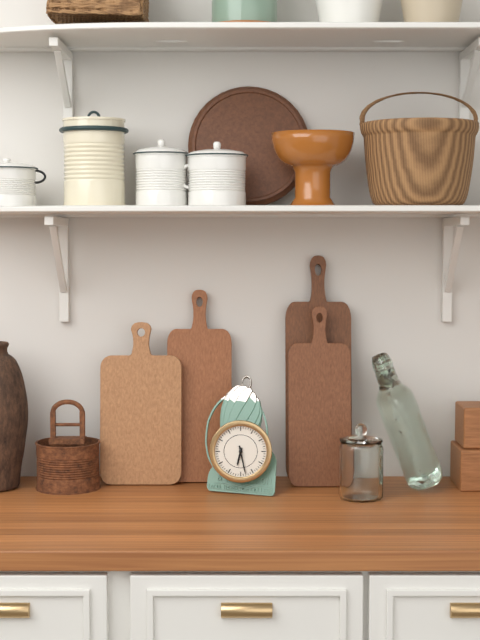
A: 6 h 28 min
